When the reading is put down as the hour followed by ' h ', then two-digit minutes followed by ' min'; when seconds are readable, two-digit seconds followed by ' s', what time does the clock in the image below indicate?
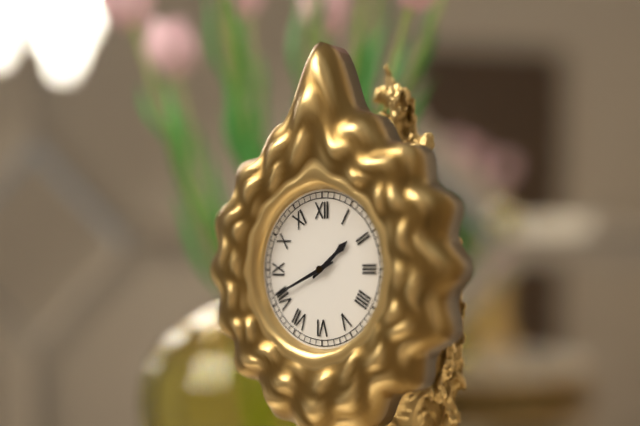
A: 1 h 41 min
